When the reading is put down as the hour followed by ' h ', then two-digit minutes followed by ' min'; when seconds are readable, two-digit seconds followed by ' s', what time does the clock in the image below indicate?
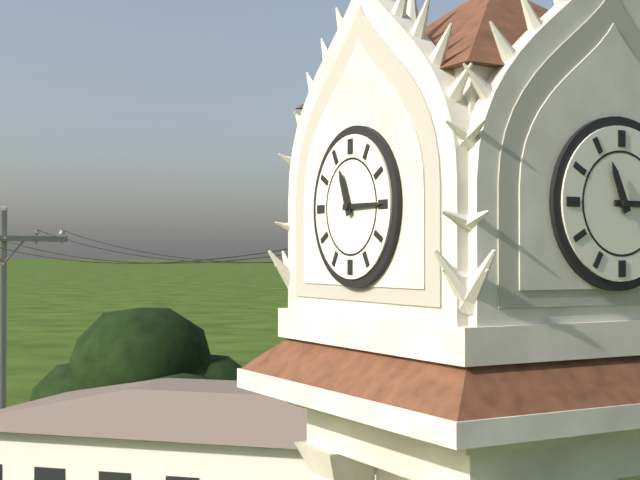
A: 11 h 15 min
